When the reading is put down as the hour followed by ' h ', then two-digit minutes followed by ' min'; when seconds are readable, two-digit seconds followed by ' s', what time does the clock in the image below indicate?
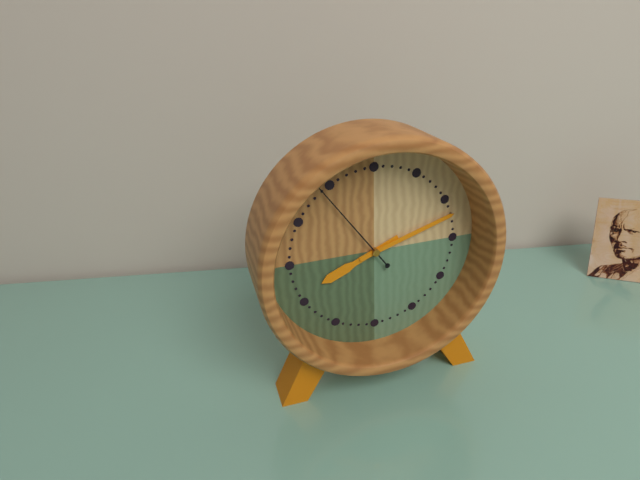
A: 8 h 12 min 54 s
